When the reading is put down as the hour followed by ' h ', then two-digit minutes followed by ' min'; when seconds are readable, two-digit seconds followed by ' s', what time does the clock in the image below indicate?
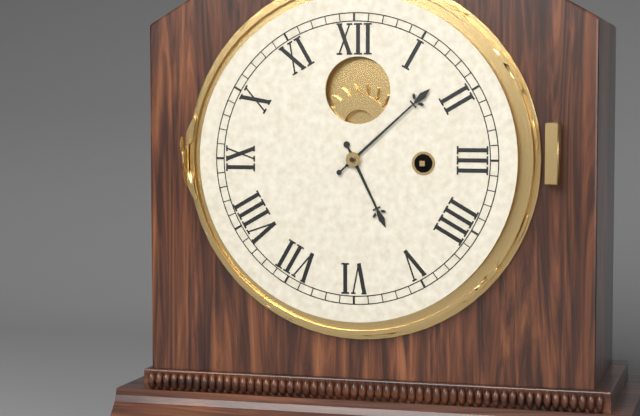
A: 5 h 08 min
